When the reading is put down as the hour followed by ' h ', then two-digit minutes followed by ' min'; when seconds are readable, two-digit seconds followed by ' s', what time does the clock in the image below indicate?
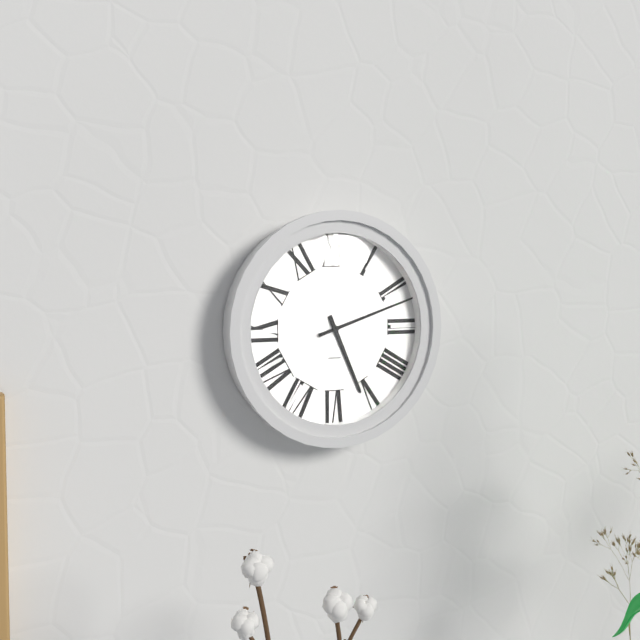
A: 5 h 12 min
